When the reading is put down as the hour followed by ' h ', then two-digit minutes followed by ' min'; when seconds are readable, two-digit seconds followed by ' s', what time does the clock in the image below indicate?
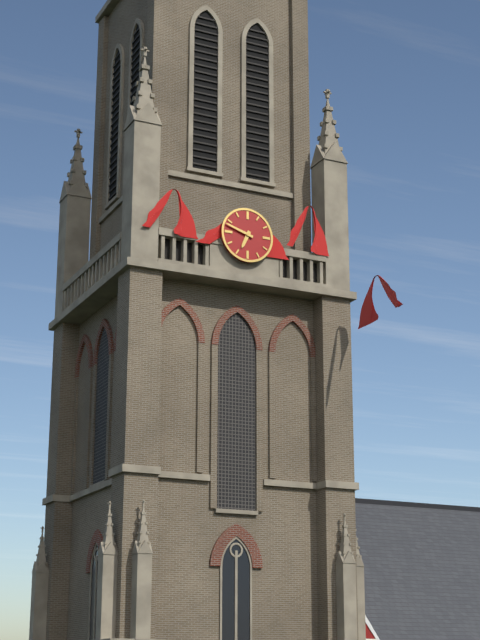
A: 6 h 48 min
